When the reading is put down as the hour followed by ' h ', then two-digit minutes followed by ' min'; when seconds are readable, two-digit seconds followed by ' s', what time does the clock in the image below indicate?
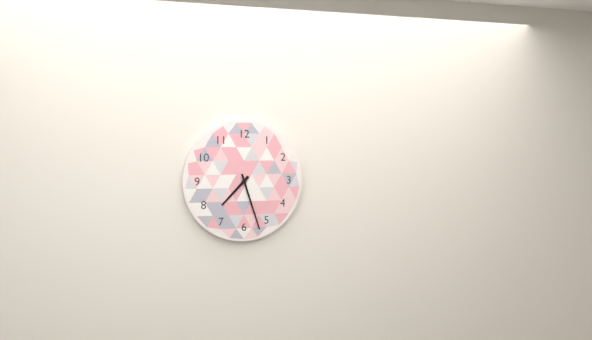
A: 7 h 27 min
